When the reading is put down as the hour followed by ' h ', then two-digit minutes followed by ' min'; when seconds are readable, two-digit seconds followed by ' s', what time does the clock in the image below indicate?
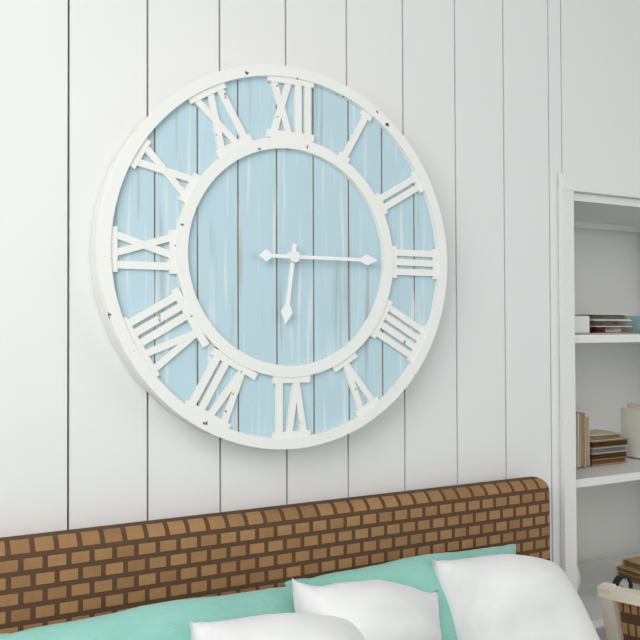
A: 6 h 15 min
